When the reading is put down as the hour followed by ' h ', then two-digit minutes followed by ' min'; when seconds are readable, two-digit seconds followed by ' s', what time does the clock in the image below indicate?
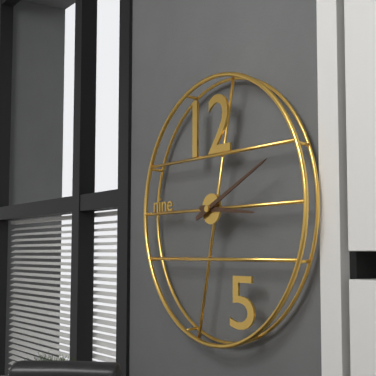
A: 3 h 11 min
